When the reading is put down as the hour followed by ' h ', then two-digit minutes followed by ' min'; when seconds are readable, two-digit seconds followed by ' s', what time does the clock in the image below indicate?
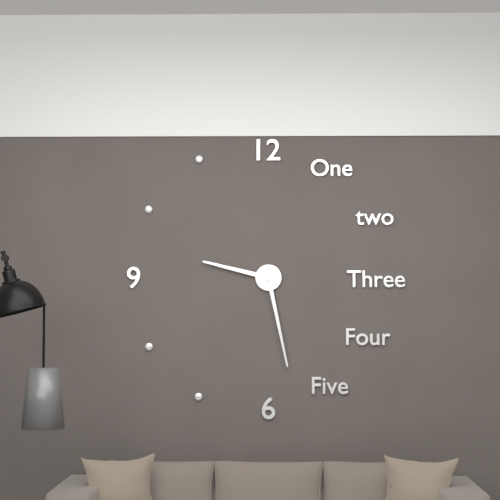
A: 9 h 28 min
